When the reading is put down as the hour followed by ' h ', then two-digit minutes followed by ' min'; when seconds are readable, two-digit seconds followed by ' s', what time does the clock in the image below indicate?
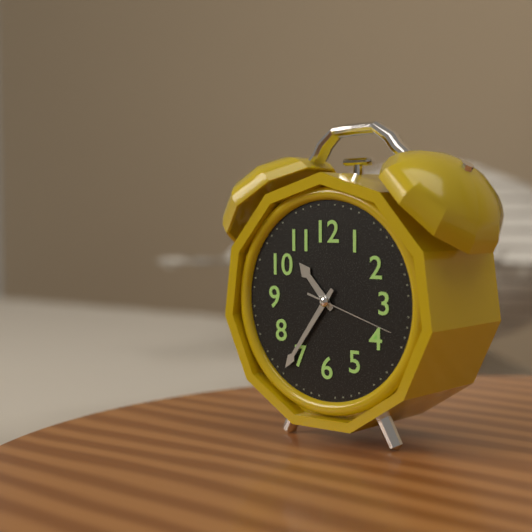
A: 10 h 36 min 18 s
